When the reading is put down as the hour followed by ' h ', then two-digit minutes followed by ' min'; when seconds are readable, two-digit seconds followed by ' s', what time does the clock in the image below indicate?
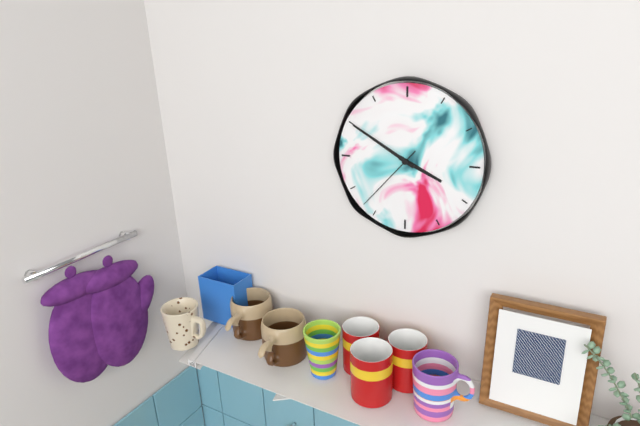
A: 3 h 50 min 37 s
